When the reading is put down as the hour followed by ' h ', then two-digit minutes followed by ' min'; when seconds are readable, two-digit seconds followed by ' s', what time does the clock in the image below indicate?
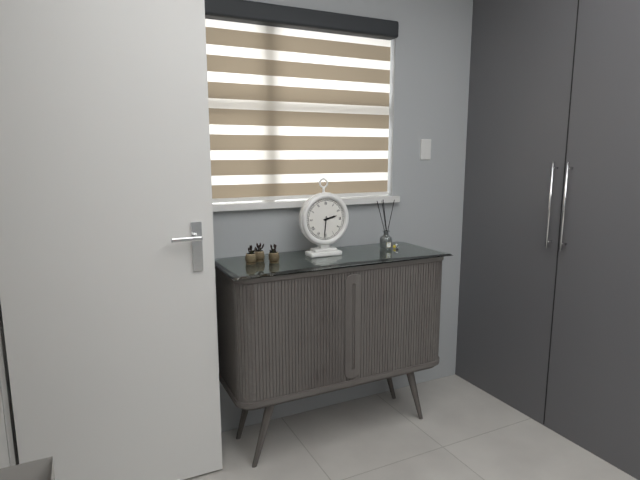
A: 2 h 31 min
